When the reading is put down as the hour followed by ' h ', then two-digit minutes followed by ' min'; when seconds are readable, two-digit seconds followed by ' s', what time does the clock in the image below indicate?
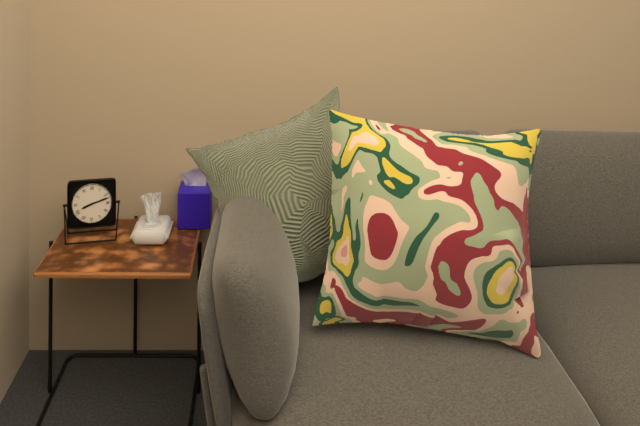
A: 8 h 12 min
